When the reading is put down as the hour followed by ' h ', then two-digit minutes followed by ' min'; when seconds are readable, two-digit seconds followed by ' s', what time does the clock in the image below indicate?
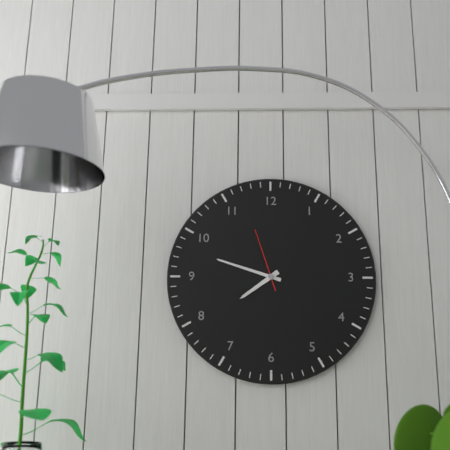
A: 7 h 48 min 57 s
